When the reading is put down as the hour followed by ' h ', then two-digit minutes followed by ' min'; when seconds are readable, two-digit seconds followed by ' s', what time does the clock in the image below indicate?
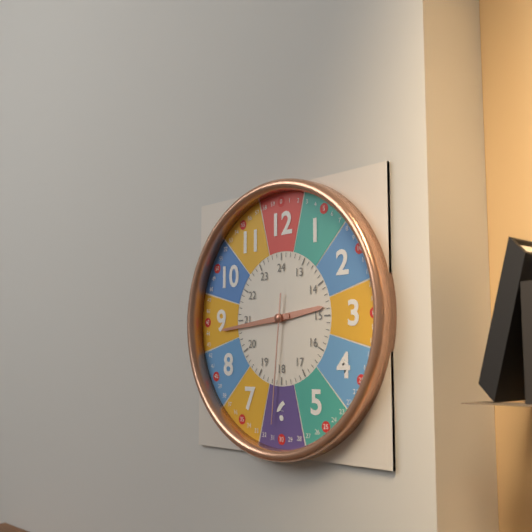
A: 2 h 44 min 31 s
